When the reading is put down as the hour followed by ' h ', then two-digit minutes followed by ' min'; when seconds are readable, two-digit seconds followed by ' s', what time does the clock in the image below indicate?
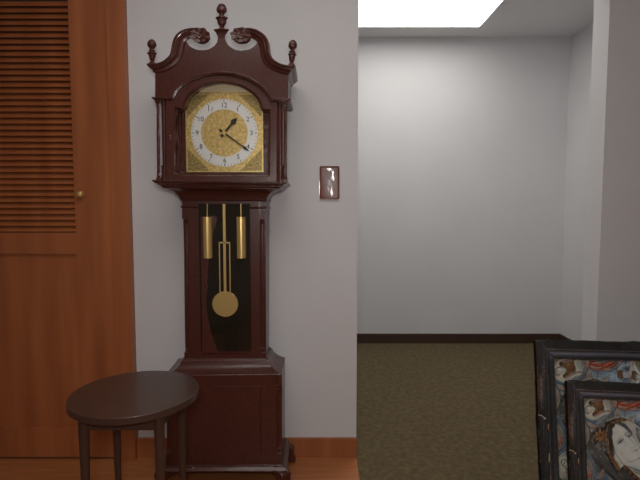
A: 1 h 21 min
